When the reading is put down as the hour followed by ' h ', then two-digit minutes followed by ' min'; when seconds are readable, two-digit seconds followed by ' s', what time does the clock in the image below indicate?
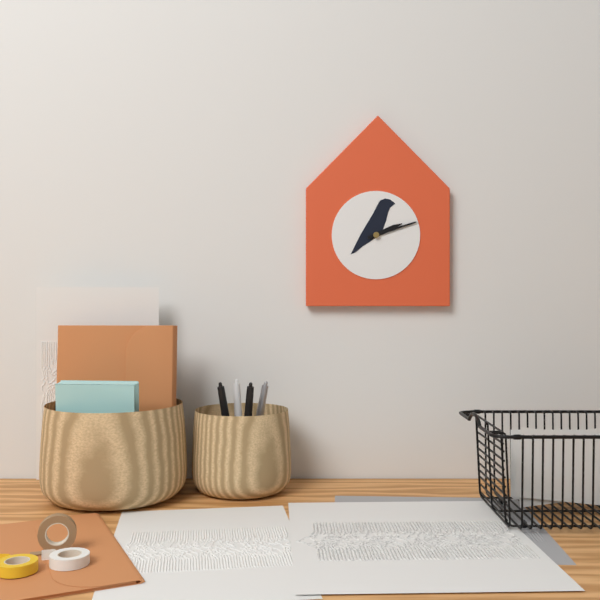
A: 2 h 12 min
